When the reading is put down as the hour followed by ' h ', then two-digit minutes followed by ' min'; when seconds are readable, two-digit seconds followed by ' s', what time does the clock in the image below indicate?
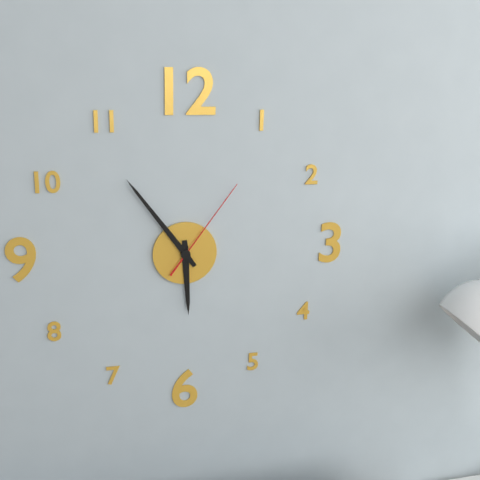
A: 5 h 54 min 06 s
